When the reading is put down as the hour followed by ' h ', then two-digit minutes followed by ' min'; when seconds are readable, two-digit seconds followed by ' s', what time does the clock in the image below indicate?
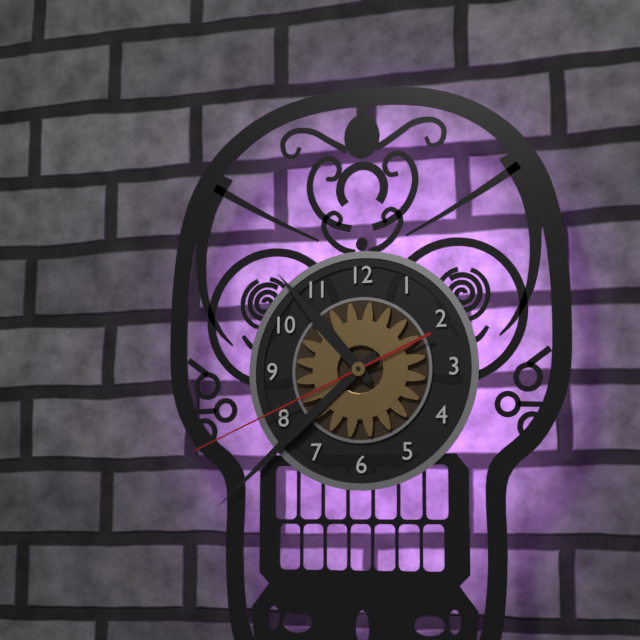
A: 10 h 38 min 41 s
